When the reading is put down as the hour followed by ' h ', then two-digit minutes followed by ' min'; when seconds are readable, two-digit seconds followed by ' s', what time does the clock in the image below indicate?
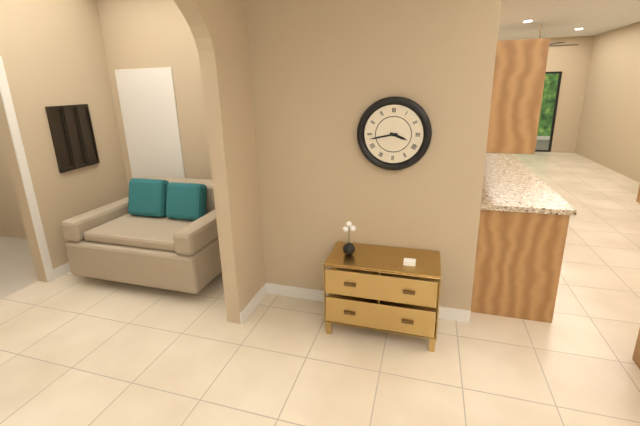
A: 3 h 43 min
